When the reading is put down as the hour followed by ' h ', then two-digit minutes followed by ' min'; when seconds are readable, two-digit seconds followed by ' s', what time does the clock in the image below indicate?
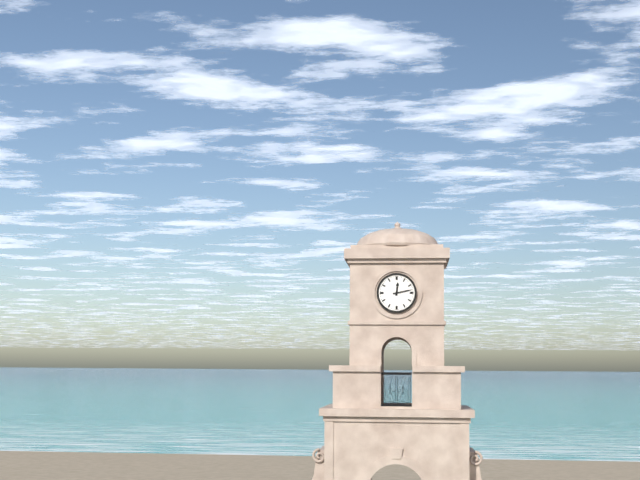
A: 12 h 13 min
